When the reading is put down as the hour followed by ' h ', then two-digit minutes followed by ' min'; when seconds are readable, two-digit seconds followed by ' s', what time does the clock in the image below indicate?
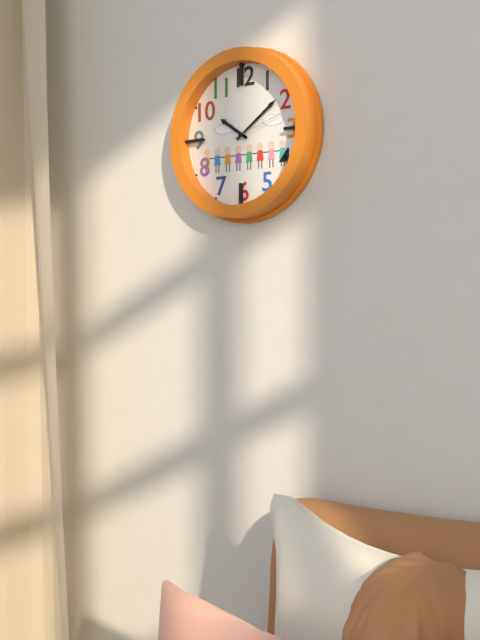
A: 10 h 09 min 12 s
